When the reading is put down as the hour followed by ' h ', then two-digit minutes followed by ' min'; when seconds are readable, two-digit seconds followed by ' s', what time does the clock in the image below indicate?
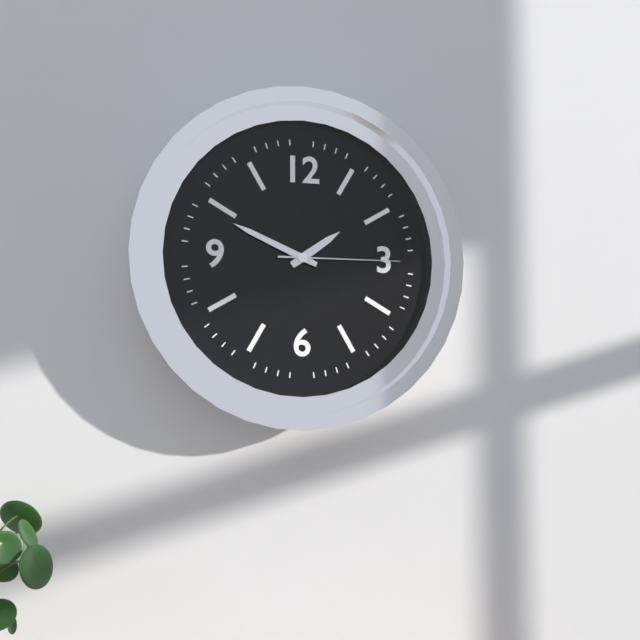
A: 1 h 49 min 15 s
